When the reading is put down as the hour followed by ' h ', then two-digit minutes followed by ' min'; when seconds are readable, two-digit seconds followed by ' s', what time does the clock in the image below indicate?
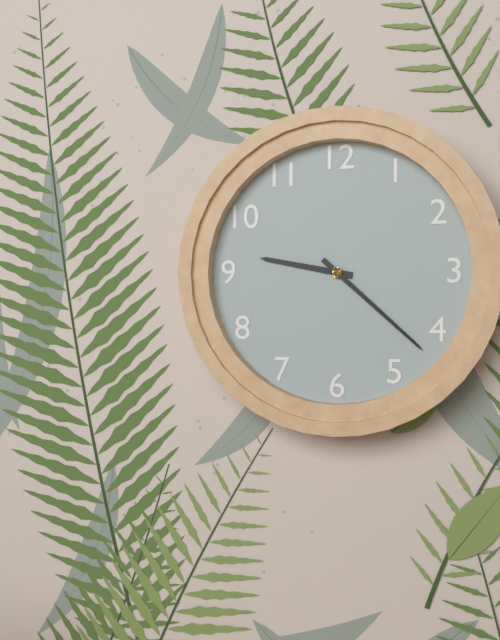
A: 9 h 22 min
